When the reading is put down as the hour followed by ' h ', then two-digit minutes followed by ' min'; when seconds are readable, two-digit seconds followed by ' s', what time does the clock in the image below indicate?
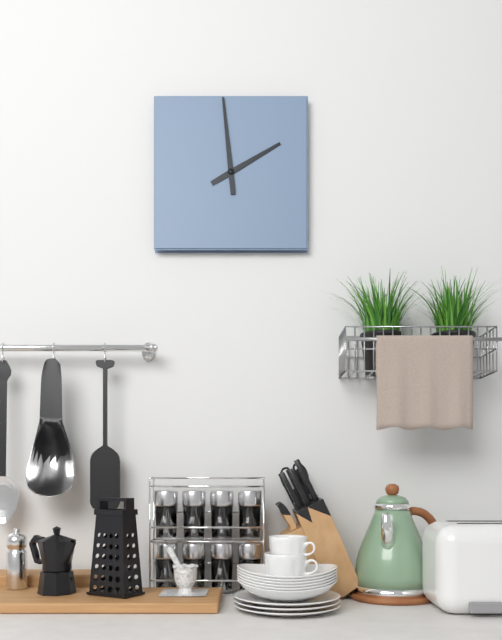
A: 1 h 59 min
